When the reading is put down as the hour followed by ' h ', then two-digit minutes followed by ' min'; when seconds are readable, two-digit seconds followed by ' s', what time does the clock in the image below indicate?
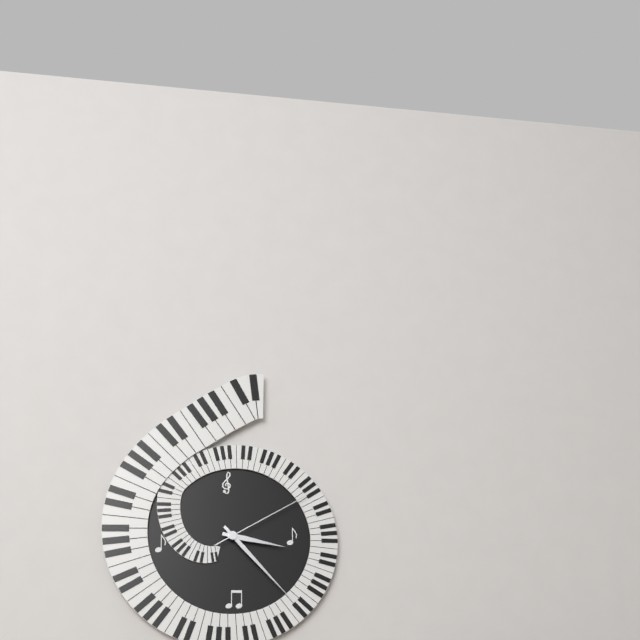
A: 3 h 23 min 10 s
